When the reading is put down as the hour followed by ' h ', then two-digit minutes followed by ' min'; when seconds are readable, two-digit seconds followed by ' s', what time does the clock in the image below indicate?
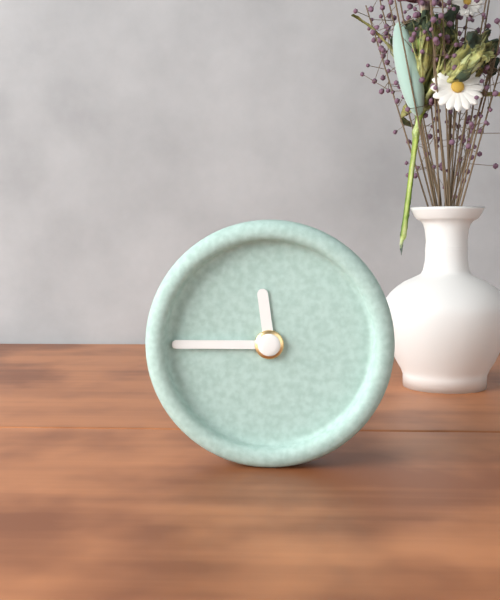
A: 11 h 45 min
